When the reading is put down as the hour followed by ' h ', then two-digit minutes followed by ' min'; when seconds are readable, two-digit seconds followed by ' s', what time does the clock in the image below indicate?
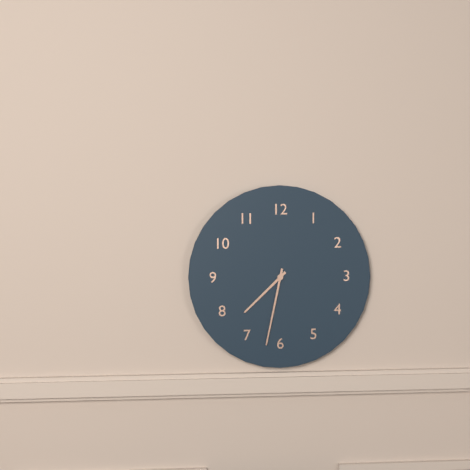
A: 7 h 32 min
